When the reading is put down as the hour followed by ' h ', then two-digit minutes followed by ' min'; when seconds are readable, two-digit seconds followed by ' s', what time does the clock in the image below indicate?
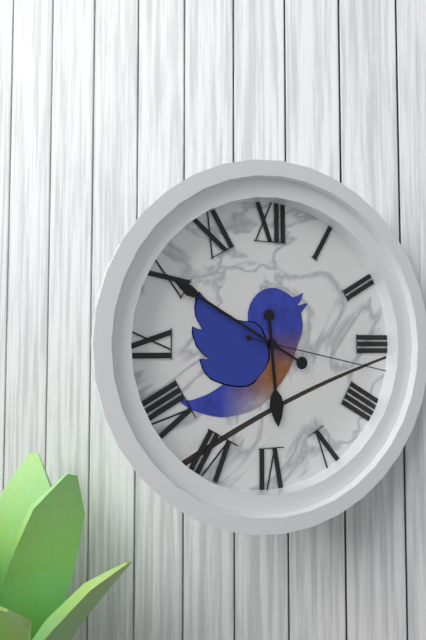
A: 5 h 50 min 17 s
